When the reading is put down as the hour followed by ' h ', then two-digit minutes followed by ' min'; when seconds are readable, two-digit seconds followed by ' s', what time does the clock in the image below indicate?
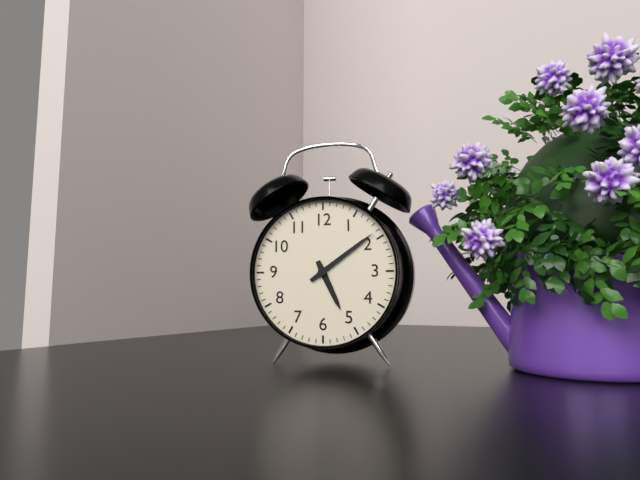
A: 5 h 09 min
